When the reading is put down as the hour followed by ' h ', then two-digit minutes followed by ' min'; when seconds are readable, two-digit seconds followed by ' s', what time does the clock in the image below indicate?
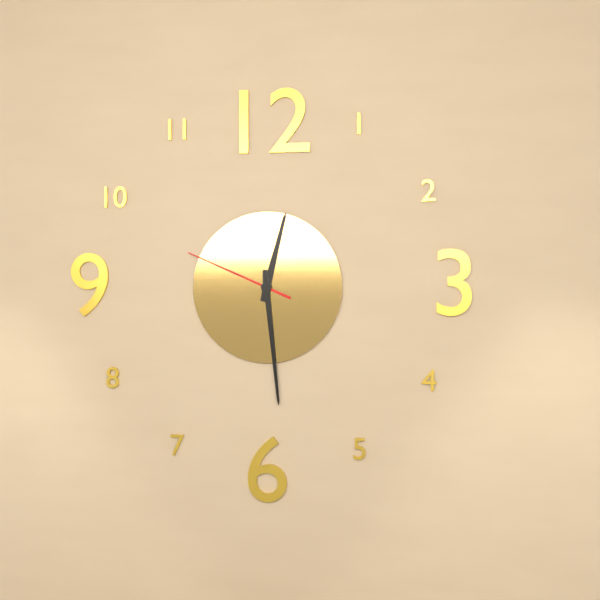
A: 12 h 29 min 49 s
